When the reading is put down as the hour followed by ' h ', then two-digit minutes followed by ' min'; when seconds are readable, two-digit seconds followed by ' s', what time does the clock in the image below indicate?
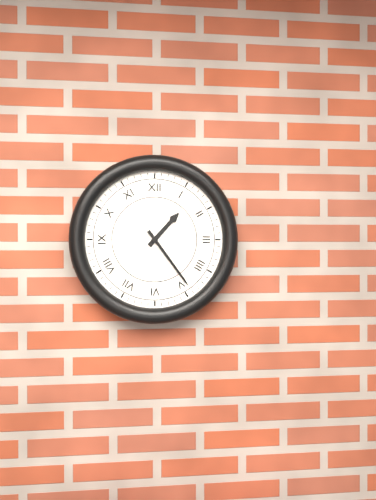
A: 1 h 24 min
